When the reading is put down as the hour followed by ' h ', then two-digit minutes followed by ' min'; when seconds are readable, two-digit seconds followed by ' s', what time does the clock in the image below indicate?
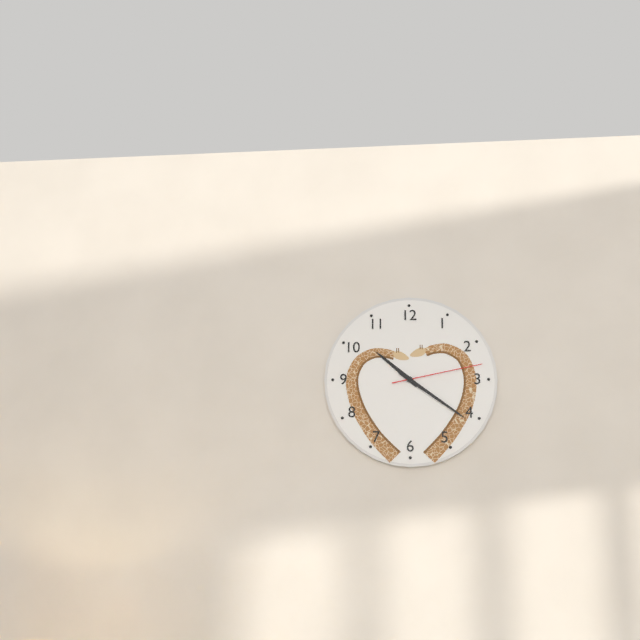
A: 10 h 21 min 13 s
